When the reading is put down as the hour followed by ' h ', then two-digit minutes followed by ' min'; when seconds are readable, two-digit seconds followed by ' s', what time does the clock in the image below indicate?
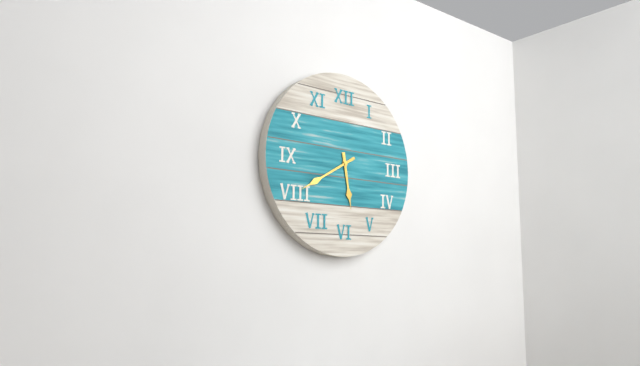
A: 5 h 40 min
